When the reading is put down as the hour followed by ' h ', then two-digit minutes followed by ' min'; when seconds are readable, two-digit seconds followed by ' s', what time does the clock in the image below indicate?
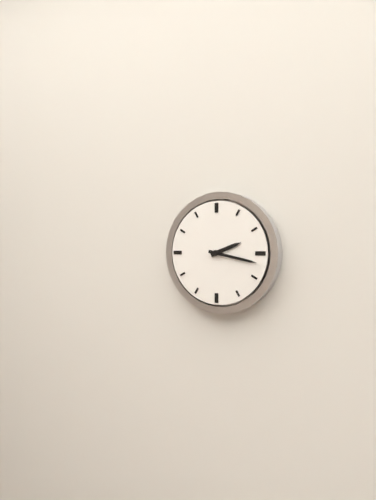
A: 2 h 17 min
